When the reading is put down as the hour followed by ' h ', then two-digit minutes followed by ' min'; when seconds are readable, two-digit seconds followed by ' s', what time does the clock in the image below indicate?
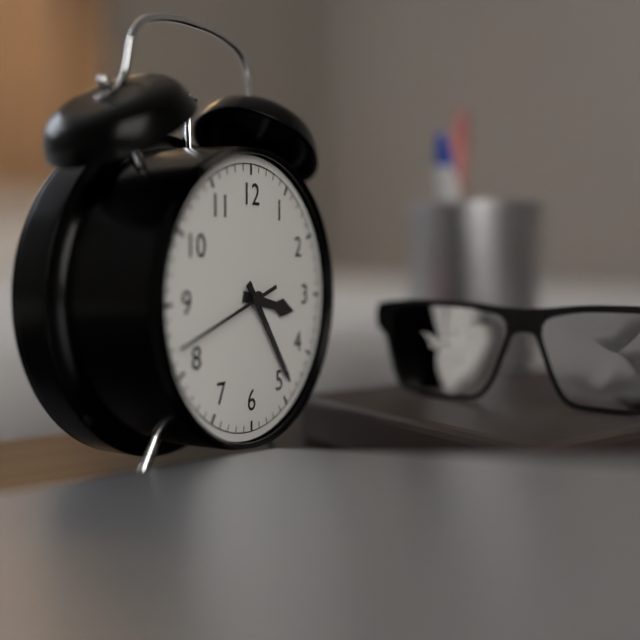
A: 3 h 24 min 42 s
